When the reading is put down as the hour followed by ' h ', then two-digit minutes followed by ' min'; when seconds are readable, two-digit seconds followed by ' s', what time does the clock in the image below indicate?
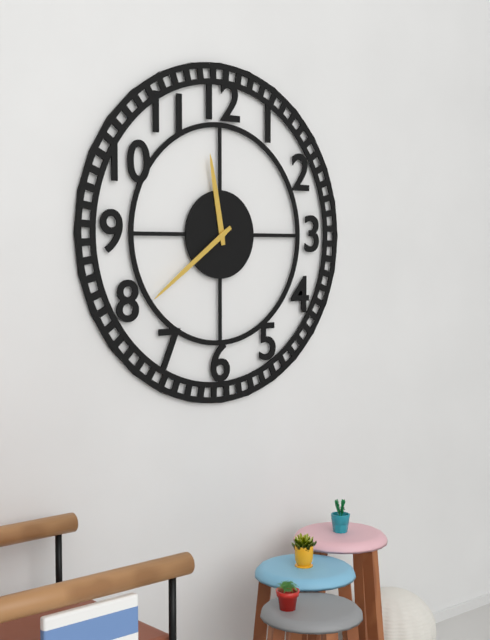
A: 11 h 39 min
